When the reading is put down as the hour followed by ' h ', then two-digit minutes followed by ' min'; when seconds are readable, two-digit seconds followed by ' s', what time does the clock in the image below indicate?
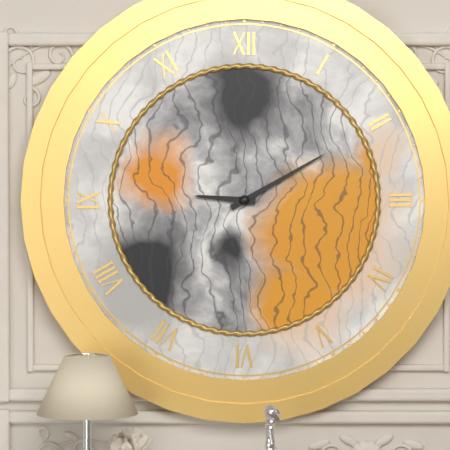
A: 9 h 10 min
